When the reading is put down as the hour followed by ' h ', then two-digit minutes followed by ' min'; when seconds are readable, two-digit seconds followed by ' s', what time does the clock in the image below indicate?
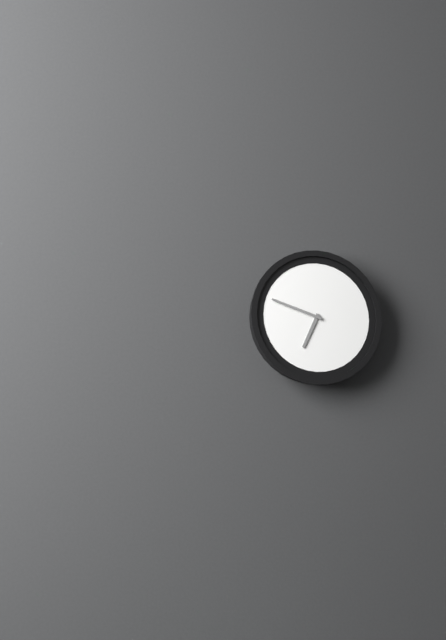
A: 6 h 48 min
